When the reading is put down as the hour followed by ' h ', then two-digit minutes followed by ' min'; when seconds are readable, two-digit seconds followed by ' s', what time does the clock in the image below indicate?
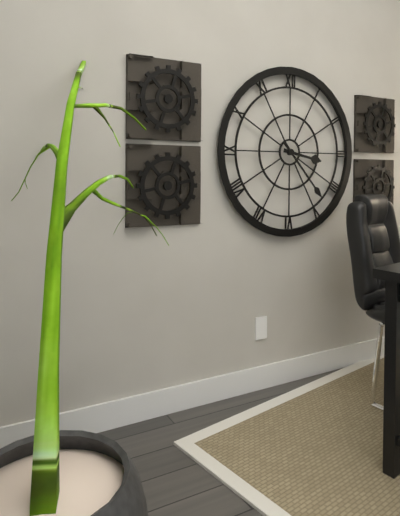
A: 3 h 23 min
